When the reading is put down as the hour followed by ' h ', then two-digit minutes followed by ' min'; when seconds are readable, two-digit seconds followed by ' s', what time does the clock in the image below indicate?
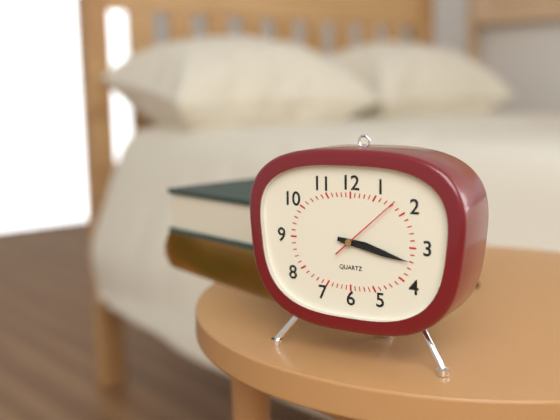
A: 3 h 17 min 08 s
